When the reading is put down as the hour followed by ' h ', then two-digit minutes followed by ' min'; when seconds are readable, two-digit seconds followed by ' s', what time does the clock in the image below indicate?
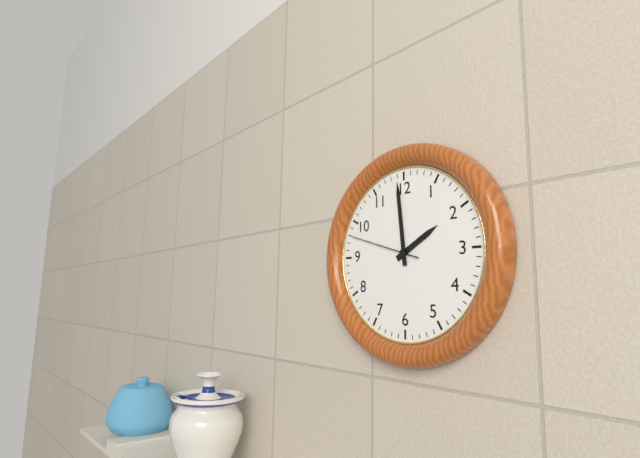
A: 1 h 59 min 48 s
